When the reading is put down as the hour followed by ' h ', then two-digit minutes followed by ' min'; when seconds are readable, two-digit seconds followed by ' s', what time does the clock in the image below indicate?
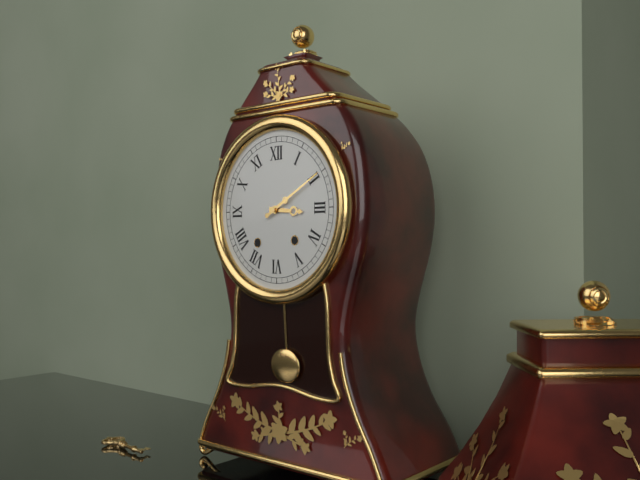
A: 3 h 10 min
